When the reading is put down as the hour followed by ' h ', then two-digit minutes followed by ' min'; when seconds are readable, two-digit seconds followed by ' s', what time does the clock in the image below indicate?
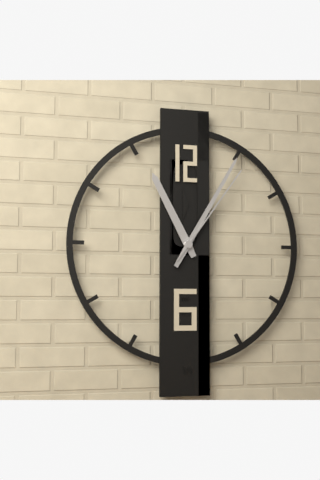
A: 11 h 05 min 06 s
